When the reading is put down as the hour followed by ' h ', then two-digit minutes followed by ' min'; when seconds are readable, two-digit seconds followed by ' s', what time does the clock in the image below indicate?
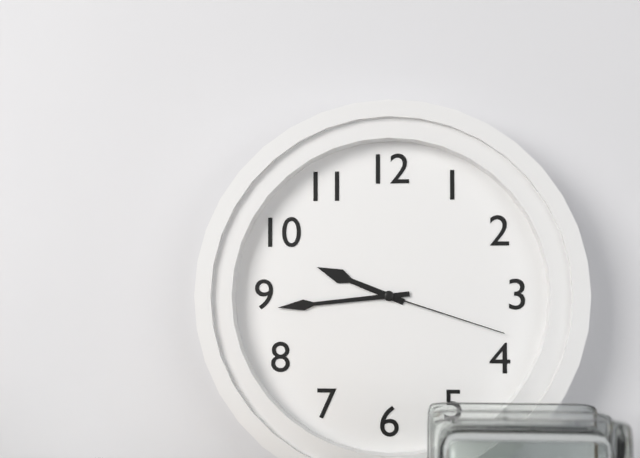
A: 9 h 44 min 18 s
